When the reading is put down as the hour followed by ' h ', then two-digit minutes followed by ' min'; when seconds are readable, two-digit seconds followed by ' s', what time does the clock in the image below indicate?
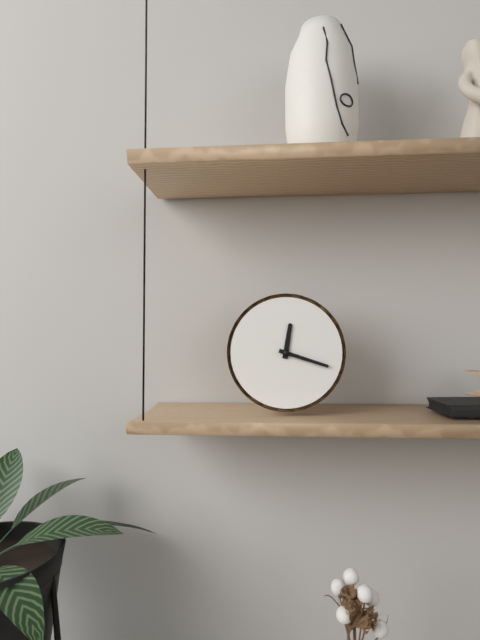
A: 12 h 18 min
